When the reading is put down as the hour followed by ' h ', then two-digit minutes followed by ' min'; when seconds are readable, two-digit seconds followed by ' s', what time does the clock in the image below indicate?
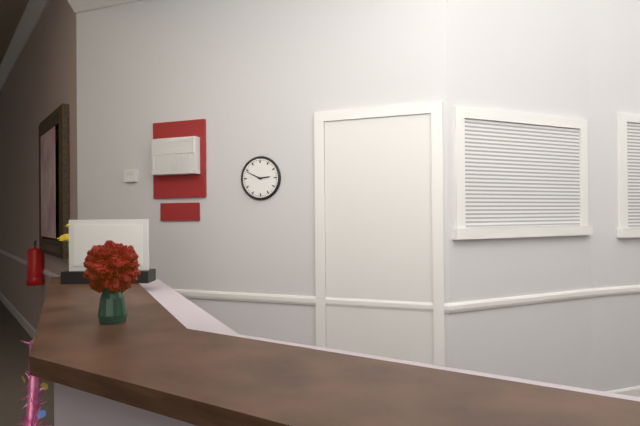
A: 2 h 49 min
